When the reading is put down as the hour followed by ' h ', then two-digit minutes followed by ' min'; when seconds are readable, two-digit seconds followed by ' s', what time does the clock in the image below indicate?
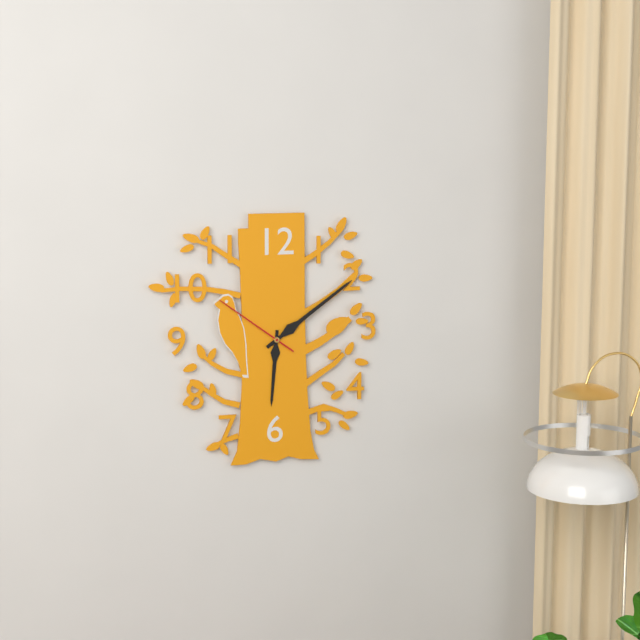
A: 6 h 09 min 51 s
